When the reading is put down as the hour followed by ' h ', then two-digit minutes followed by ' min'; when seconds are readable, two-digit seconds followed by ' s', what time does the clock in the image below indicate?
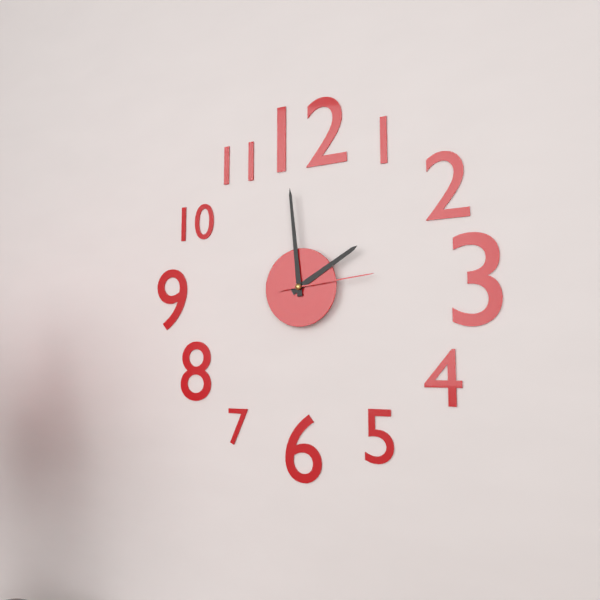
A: 1 h 59 min 14 s
